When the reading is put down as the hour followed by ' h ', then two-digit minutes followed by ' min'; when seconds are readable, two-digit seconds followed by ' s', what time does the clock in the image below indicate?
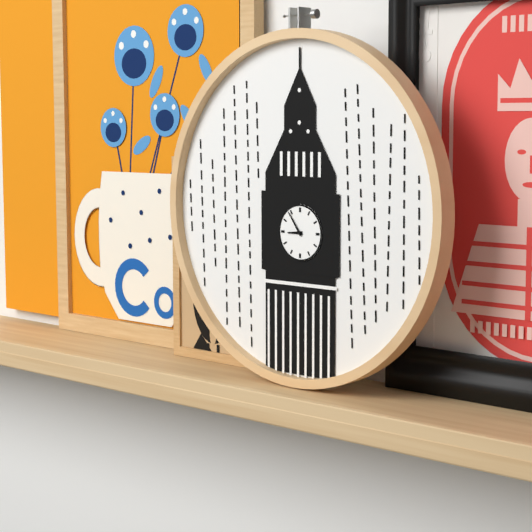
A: 8 h 54 min
